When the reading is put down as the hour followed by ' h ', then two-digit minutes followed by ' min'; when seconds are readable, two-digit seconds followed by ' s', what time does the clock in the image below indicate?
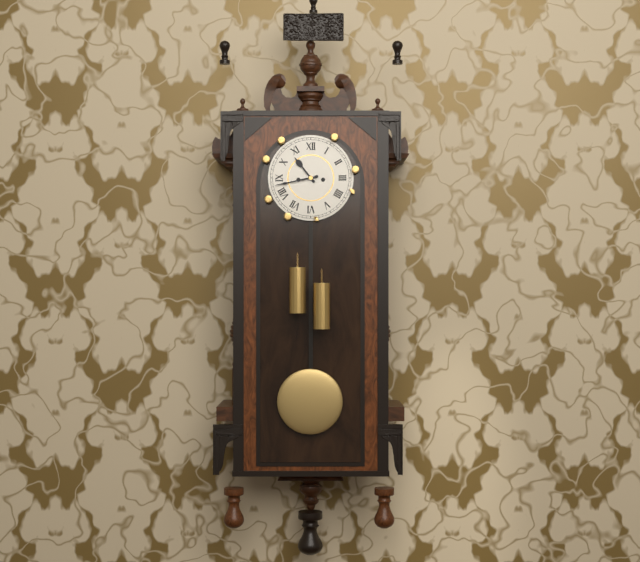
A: 10 h 43 min
